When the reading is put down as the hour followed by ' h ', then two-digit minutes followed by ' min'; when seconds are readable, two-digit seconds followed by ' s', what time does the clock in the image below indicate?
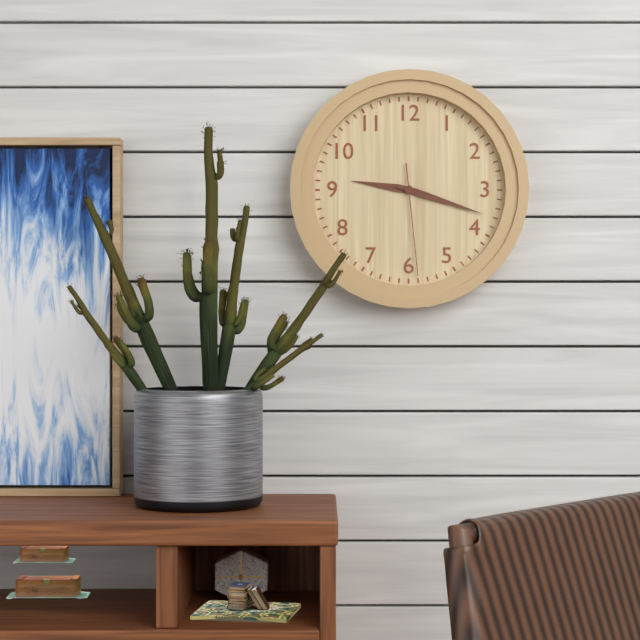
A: 9 h 18 min 29 s
